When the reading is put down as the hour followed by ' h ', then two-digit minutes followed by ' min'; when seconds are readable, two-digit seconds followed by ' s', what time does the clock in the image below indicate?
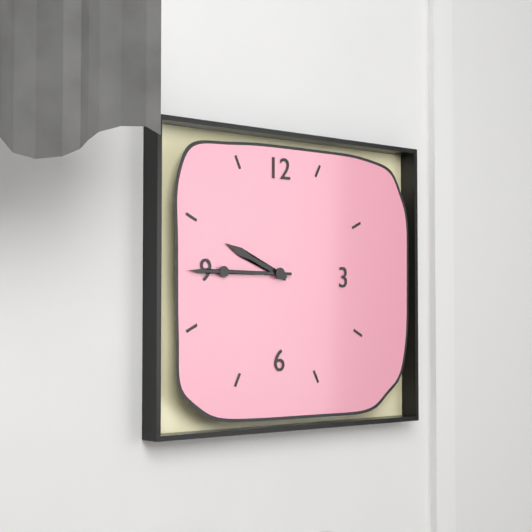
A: 9 h 45 min
